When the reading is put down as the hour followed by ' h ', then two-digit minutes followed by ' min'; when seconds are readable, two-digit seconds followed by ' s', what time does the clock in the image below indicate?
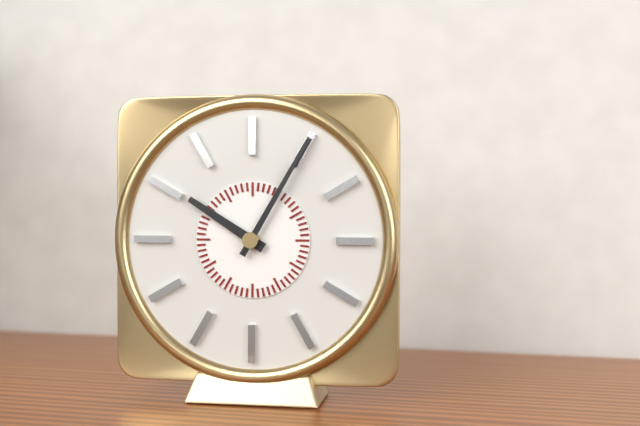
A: 10 h 05 min
